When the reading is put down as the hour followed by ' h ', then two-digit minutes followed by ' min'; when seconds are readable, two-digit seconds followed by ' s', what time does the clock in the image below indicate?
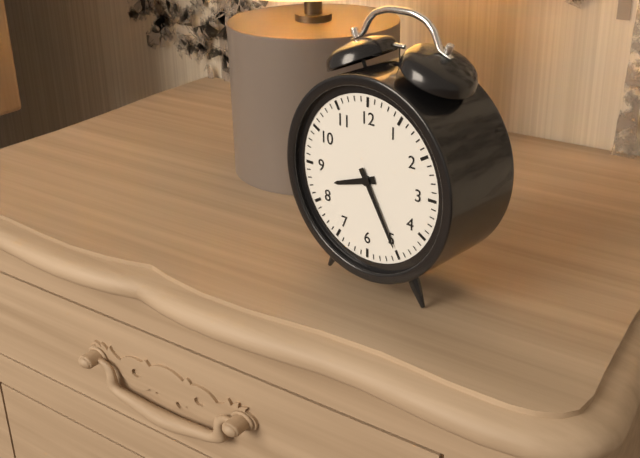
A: 8 h 25 min
